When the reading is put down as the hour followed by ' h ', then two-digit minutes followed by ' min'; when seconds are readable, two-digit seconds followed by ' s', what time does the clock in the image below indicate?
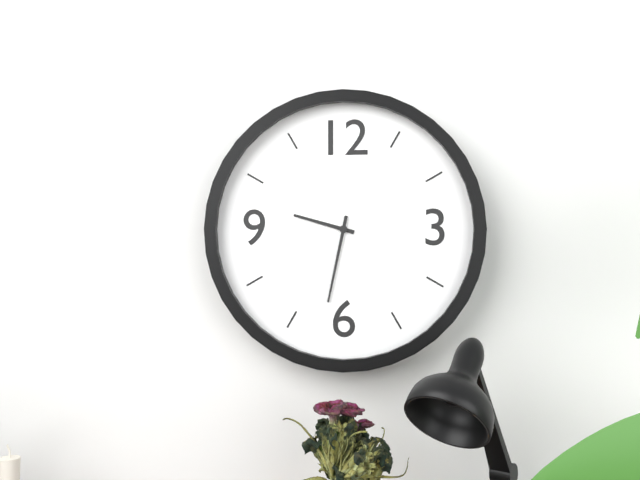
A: 9 h 32 min
